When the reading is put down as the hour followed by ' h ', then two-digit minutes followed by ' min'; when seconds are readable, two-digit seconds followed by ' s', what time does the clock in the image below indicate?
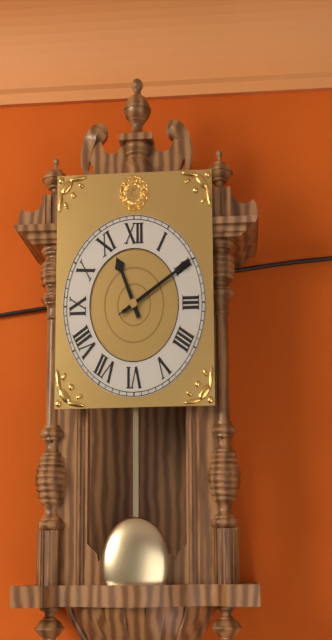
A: 11 h 10 min 10 s
